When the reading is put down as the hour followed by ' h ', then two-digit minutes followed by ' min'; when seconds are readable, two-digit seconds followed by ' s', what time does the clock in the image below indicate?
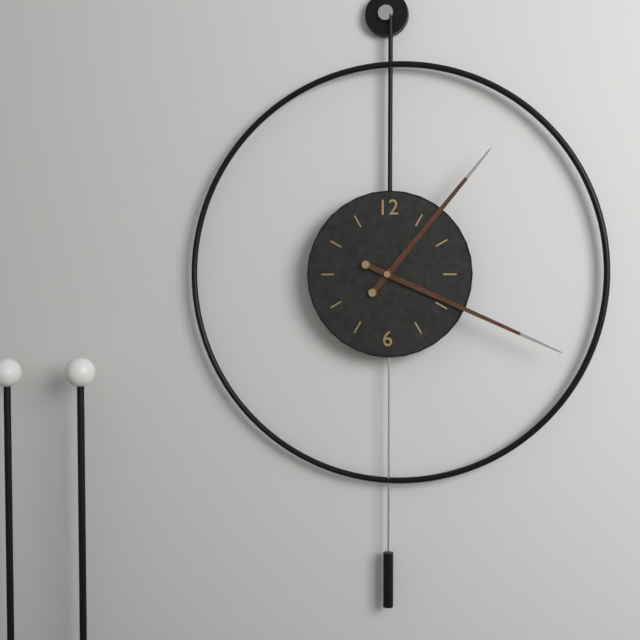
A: 1 h 19 min
